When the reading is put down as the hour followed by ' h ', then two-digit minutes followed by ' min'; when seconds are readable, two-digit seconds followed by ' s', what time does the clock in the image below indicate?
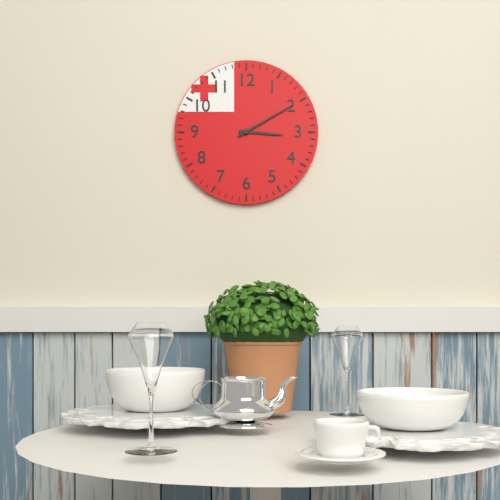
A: 3 h 10 min
